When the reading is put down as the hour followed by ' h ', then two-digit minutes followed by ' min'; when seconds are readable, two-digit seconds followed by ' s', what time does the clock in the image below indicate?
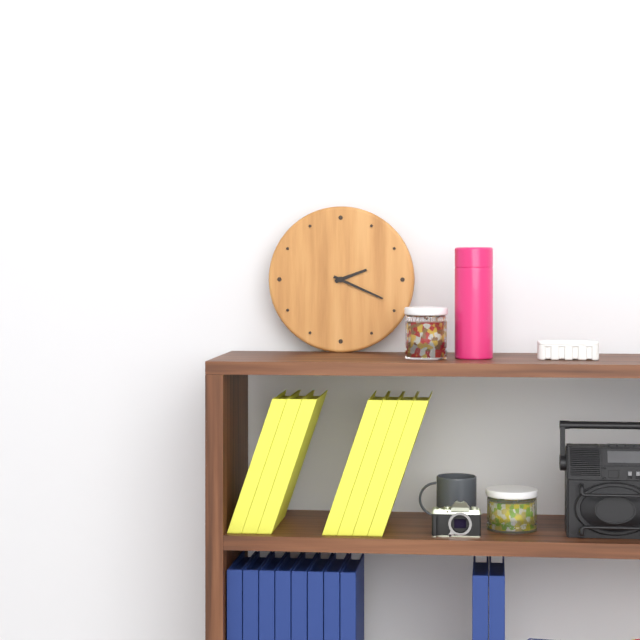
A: 2 h 19 min
